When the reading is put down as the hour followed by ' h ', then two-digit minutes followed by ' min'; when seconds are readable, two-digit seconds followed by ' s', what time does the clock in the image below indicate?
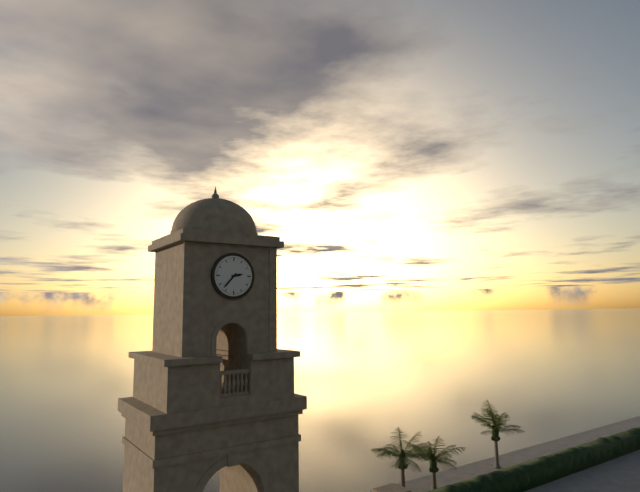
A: 2 h 37 min
